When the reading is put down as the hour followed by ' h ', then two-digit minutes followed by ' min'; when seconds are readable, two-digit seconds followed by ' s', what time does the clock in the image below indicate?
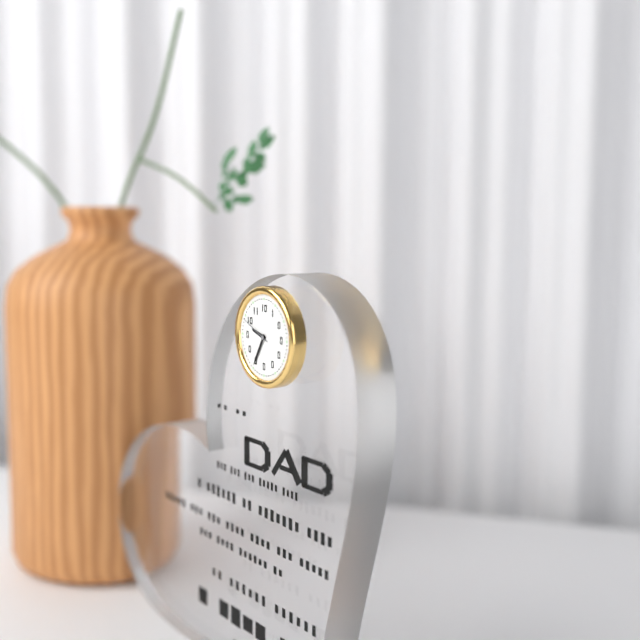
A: 9 h 35 min
